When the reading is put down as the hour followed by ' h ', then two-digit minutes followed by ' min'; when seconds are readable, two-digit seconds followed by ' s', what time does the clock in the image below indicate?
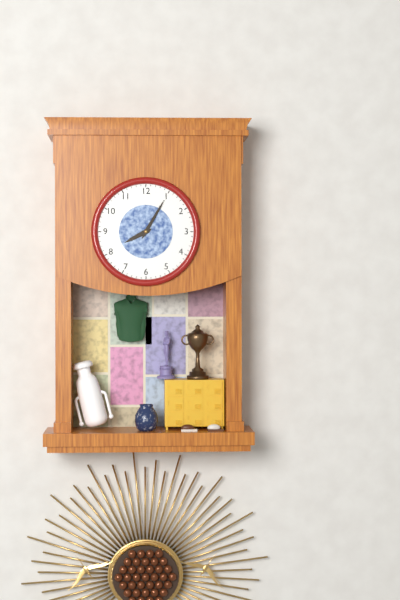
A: 8 h 05 min
